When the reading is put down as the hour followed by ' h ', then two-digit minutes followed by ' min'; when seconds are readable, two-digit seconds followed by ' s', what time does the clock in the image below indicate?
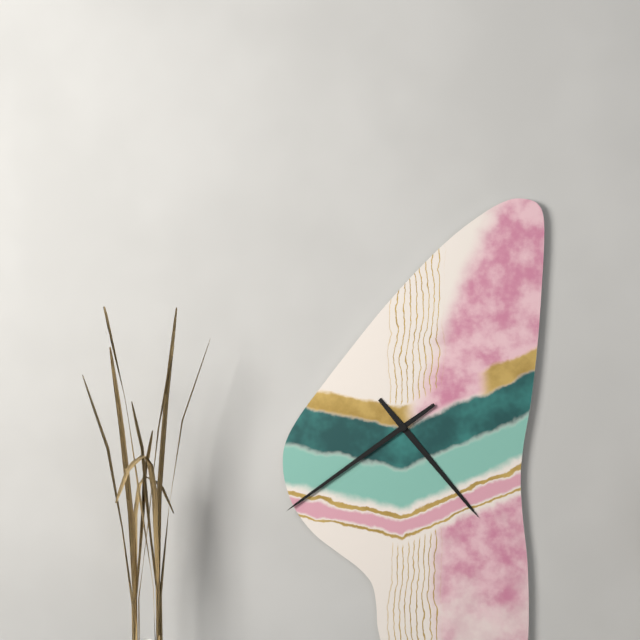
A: 4 h 39 min
